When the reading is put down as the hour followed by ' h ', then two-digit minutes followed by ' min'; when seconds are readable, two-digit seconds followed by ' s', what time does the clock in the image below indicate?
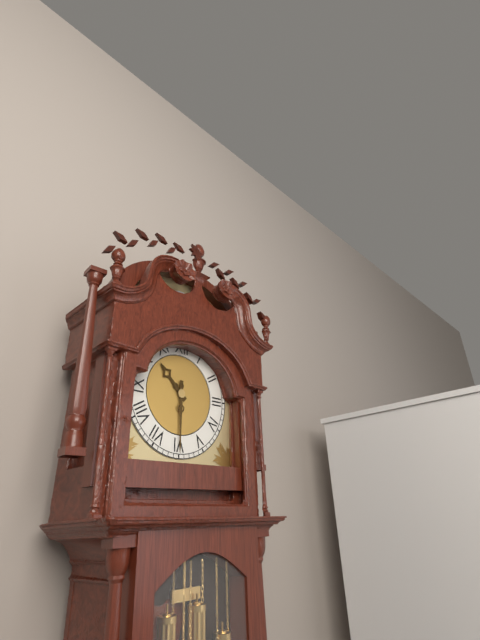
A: 10 h 30 min
